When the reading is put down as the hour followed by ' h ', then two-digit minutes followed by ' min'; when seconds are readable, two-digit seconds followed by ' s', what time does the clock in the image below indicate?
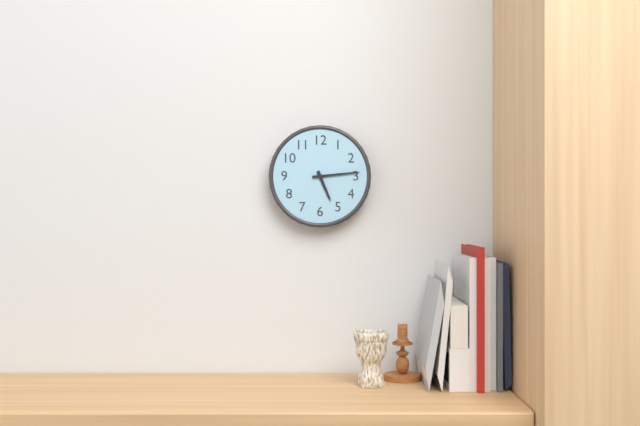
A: 5 h 14 min
